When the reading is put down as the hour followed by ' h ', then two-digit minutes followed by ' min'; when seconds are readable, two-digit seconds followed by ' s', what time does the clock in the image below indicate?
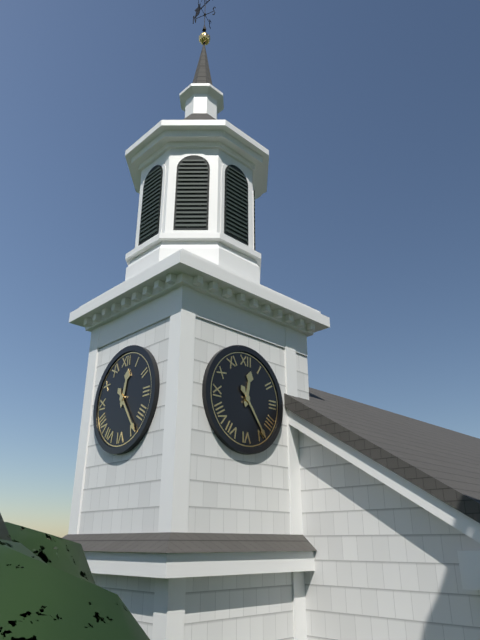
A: 12 h 24 min
